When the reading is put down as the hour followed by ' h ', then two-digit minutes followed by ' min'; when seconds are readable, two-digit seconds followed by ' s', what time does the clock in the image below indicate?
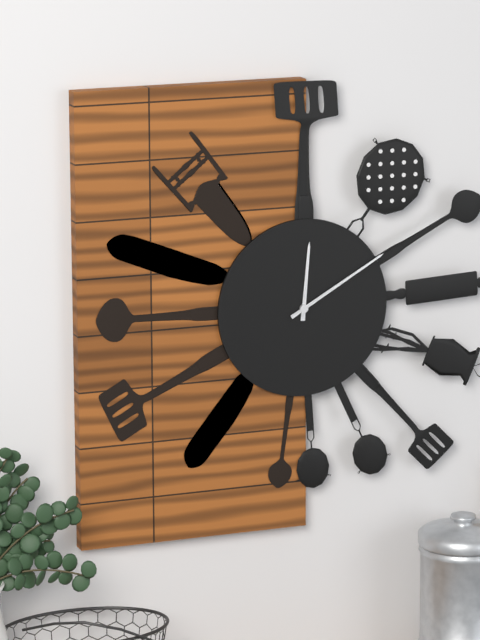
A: 12 h 10 min
